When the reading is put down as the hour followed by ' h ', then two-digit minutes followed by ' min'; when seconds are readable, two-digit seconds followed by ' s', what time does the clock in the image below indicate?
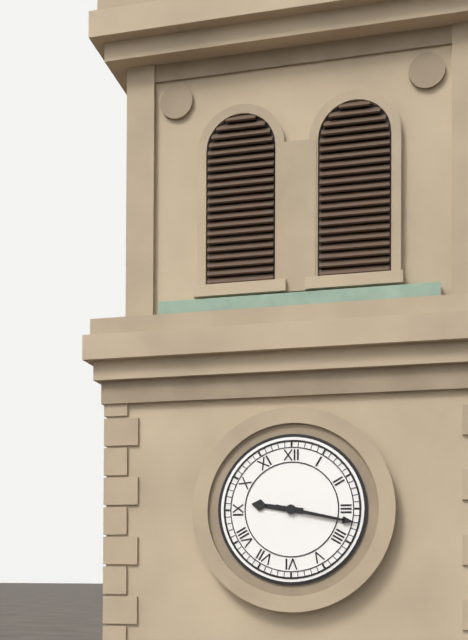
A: 9 h 17 min
